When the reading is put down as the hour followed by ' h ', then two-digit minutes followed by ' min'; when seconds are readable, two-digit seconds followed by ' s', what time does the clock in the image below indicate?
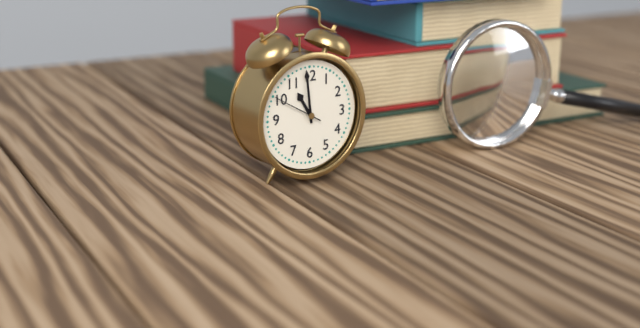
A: 10 h 59 min 50 s
